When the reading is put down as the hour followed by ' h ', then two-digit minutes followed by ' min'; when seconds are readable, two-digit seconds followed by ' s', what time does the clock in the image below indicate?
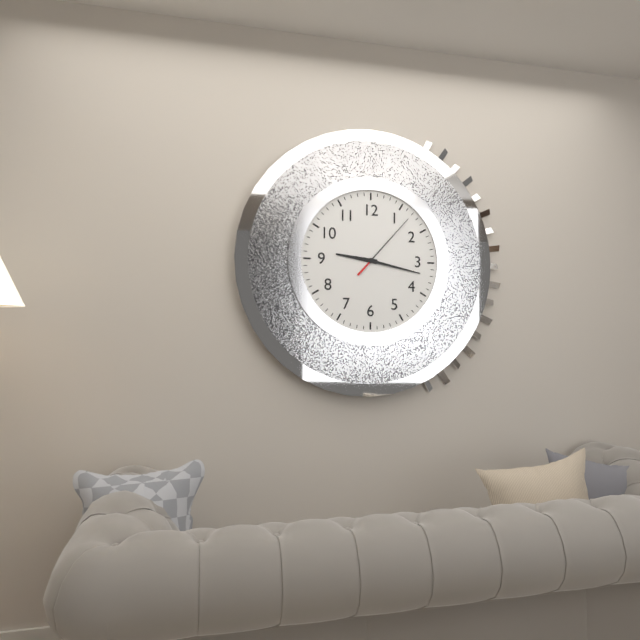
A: 9 h 17 min 07 s
